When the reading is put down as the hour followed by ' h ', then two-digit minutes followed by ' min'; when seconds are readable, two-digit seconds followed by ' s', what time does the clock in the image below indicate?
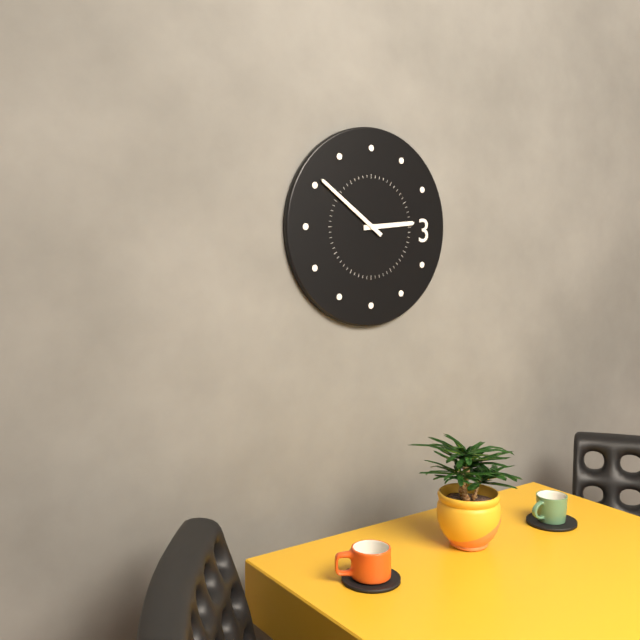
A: 2 h 51 min
